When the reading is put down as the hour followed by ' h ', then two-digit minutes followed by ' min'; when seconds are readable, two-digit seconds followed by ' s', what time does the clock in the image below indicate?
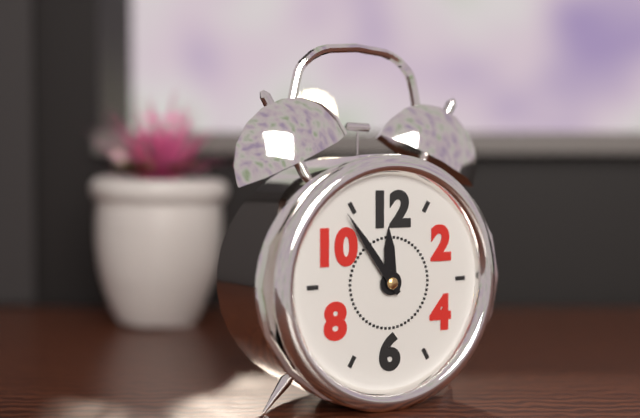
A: 11 h 54 min
